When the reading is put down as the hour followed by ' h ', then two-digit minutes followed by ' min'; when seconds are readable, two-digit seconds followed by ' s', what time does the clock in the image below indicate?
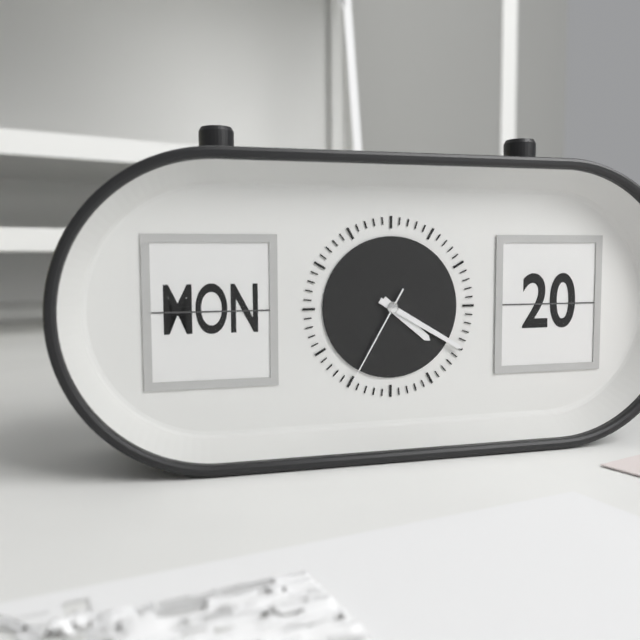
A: 4 h 20 min 35 s
